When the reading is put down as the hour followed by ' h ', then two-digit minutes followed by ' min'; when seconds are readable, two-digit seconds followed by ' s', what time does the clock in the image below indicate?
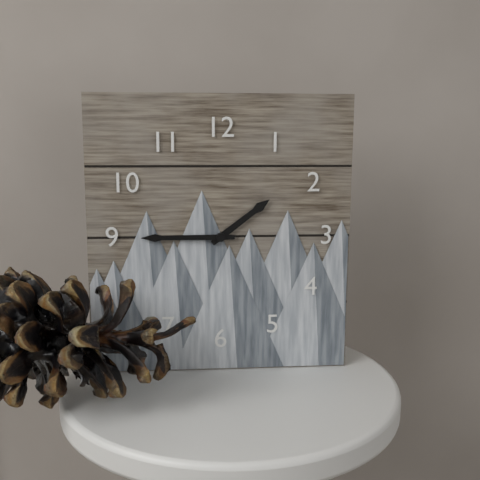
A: 1 h 45 min
